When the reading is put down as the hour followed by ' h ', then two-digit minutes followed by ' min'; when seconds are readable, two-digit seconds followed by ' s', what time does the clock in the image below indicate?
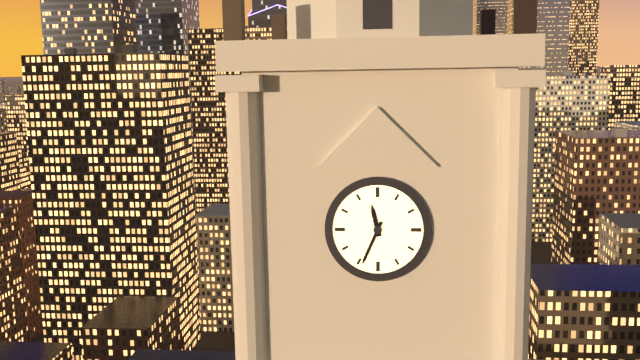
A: 11 h 34 min
